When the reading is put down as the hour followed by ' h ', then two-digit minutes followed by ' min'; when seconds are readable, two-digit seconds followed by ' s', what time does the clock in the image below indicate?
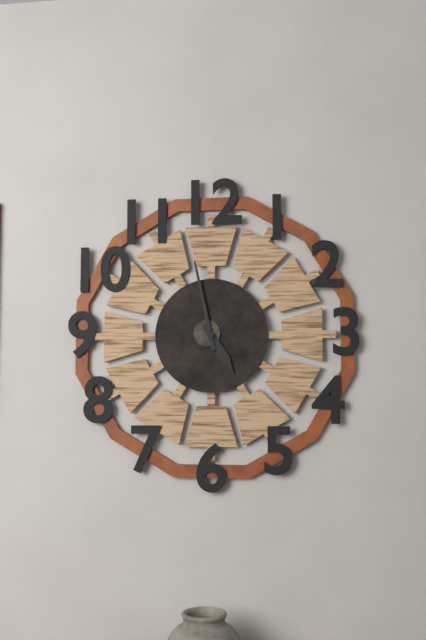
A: 4 h 58 min
